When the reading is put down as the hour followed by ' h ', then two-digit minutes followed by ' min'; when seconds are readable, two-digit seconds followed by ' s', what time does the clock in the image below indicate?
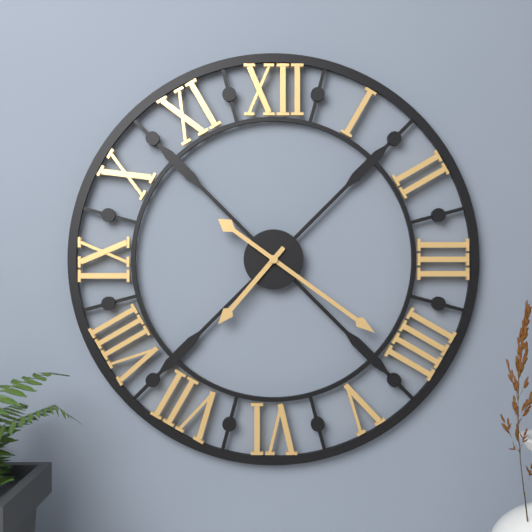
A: 7 h 21 min
